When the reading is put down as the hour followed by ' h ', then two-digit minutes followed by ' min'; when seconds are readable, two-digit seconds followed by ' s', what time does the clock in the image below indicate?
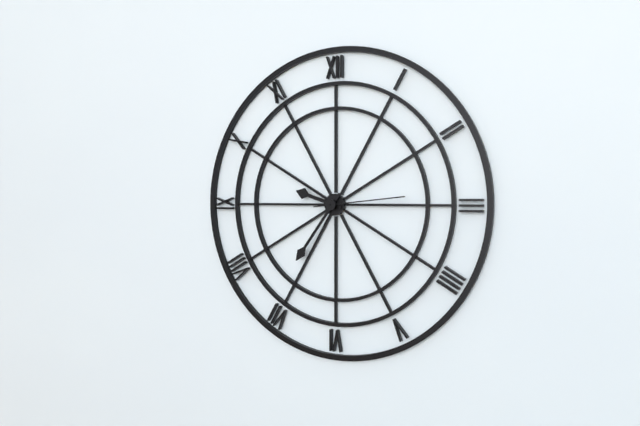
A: 9 h 36 min 14 s
